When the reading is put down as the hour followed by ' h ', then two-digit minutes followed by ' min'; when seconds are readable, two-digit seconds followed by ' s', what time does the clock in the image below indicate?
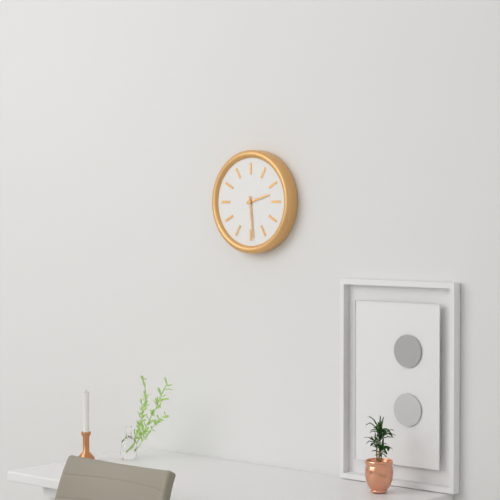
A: 2 h 29 min
